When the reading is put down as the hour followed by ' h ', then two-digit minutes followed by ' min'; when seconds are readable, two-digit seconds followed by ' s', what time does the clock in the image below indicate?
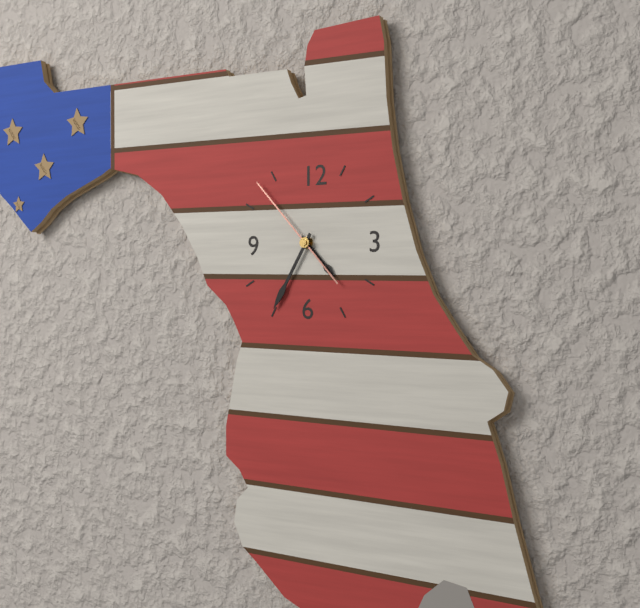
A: 4 h 35 min 53 s
